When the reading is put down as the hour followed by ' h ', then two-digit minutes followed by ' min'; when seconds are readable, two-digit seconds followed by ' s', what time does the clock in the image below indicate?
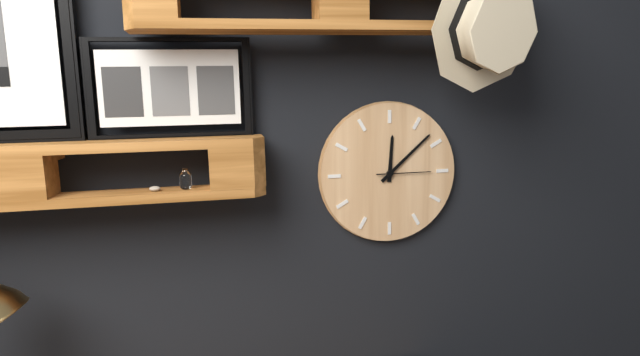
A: 12 h 08 min 15 s
